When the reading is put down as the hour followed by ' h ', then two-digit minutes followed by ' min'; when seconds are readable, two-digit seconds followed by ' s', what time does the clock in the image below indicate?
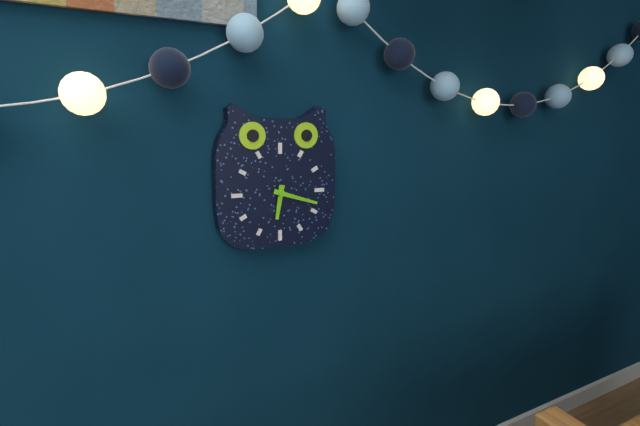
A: 6 h 18 min
